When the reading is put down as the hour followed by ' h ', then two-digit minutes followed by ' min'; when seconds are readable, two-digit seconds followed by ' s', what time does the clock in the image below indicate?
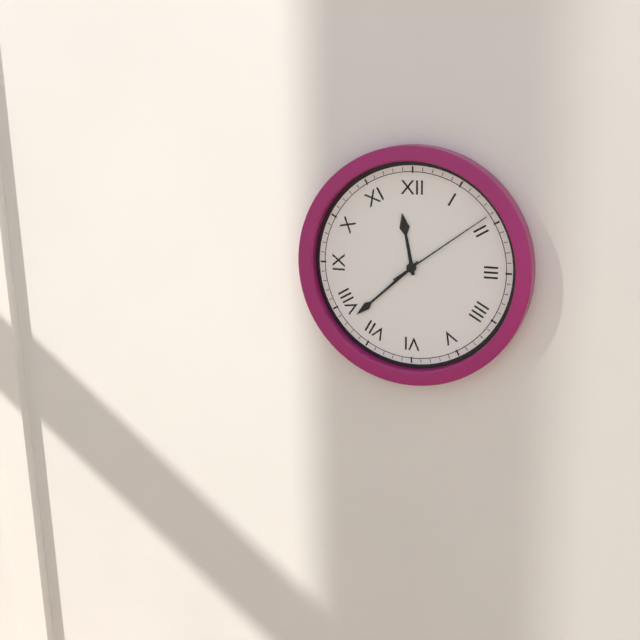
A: 11 h 38 min 09 s
